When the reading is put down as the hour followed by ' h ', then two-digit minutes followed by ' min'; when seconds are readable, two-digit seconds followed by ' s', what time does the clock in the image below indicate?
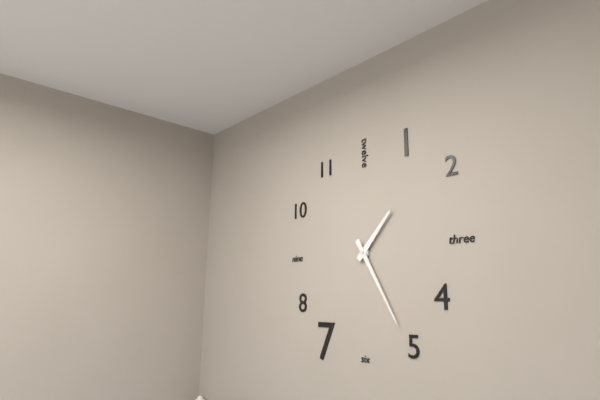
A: 1 h 25 min
